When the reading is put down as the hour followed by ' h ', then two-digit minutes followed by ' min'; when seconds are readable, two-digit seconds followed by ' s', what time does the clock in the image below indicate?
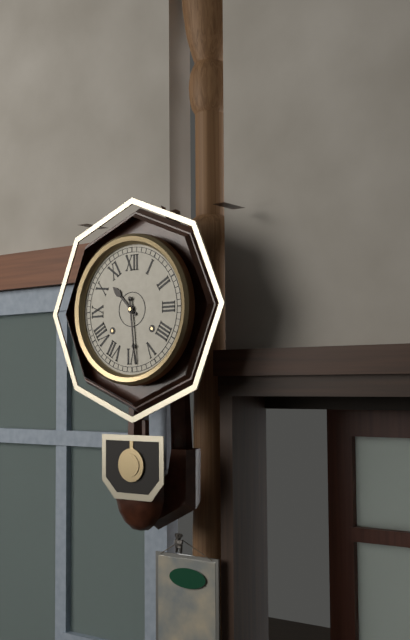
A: 10 h 29 min
